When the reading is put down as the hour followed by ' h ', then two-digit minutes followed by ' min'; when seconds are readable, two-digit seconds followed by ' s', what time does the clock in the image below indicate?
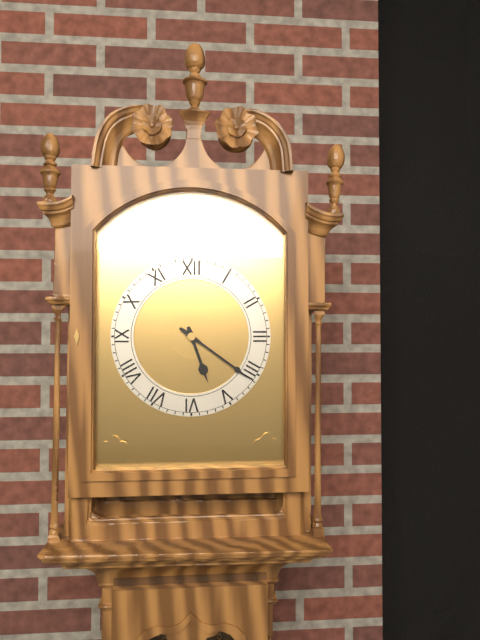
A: 5 h 21 min
